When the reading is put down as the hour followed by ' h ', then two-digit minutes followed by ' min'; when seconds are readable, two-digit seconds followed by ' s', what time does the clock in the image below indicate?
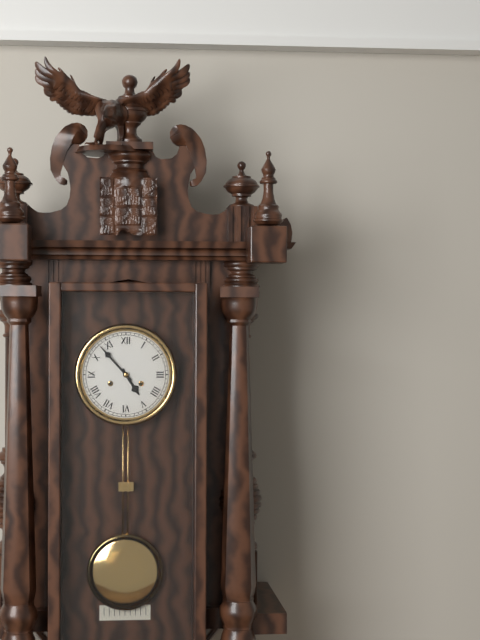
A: 4 h 53 min
